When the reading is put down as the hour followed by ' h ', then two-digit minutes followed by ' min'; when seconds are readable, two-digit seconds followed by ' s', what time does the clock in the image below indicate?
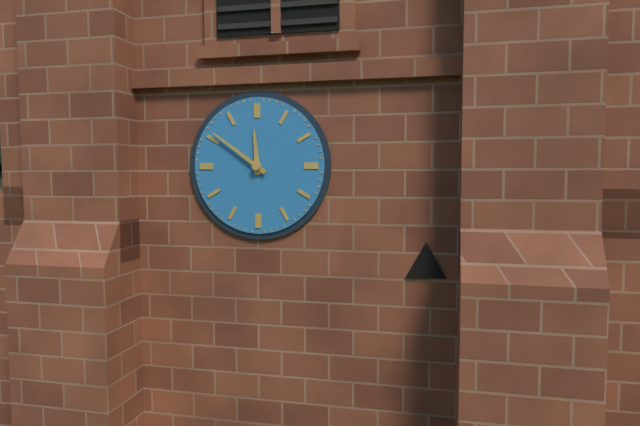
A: 11 h 51 min
